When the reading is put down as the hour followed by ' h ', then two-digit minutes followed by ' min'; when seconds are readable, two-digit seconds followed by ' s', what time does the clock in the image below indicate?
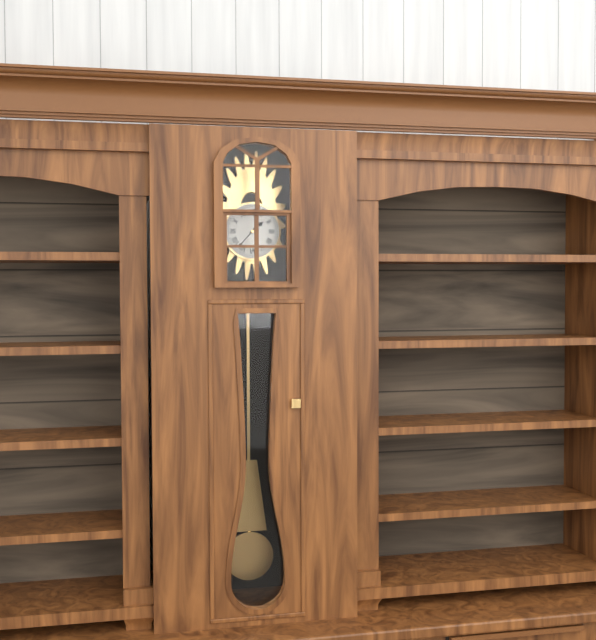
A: 1 h 37 min
